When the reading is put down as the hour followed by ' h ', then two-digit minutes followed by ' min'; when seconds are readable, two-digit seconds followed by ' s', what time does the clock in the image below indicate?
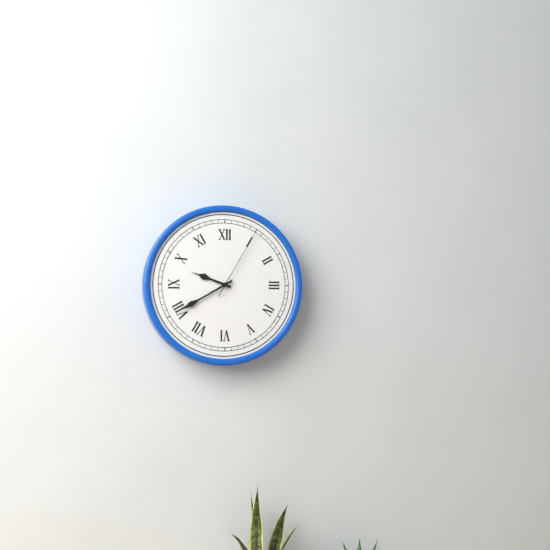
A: 9 h 40 min 05 s
